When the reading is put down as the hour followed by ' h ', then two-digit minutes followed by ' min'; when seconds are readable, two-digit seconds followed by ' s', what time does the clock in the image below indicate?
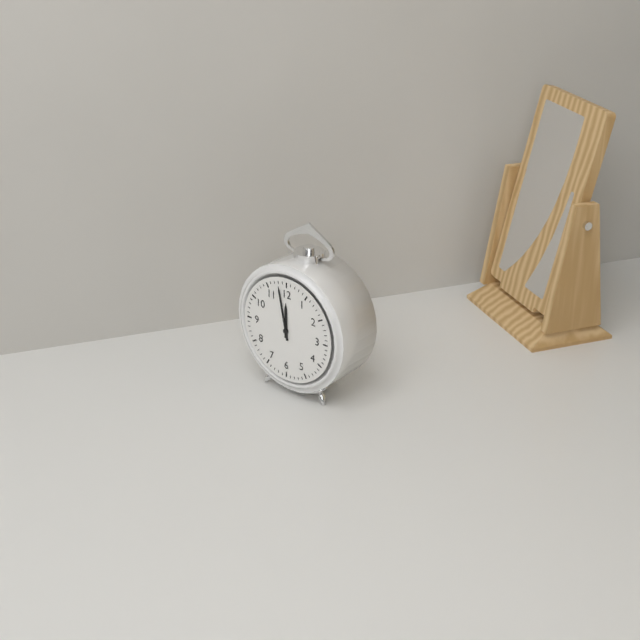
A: 11 h 58 min
